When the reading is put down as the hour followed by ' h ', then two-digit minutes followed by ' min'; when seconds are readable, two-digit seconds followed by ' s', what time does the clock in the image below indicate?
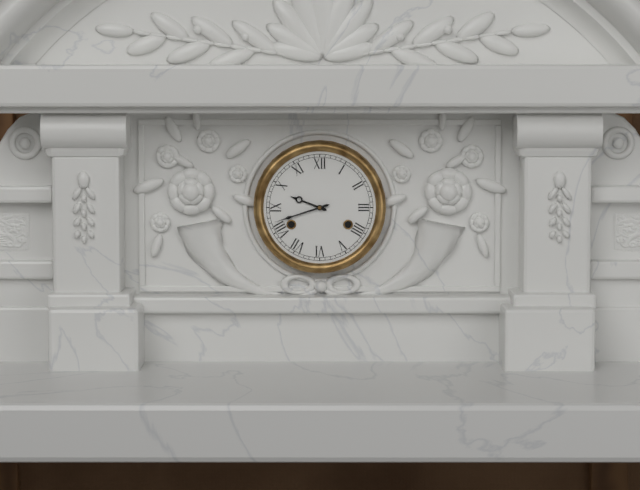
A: 9 h 42 min
